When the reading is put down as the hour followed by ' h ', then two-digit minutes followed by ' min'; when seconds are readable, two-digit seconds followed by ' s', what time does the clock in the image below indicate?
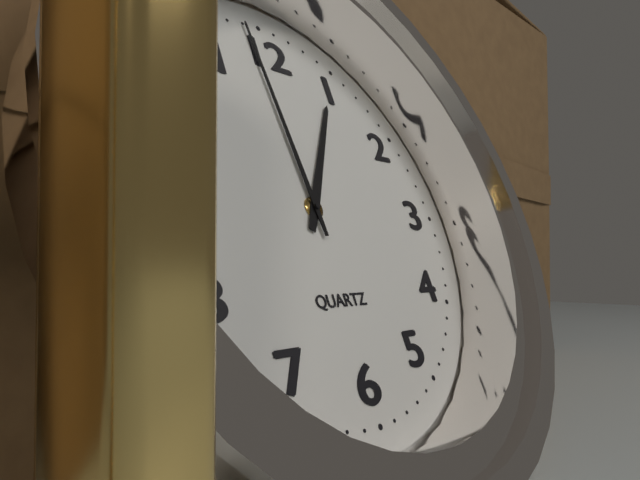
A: 12 h 59 min
